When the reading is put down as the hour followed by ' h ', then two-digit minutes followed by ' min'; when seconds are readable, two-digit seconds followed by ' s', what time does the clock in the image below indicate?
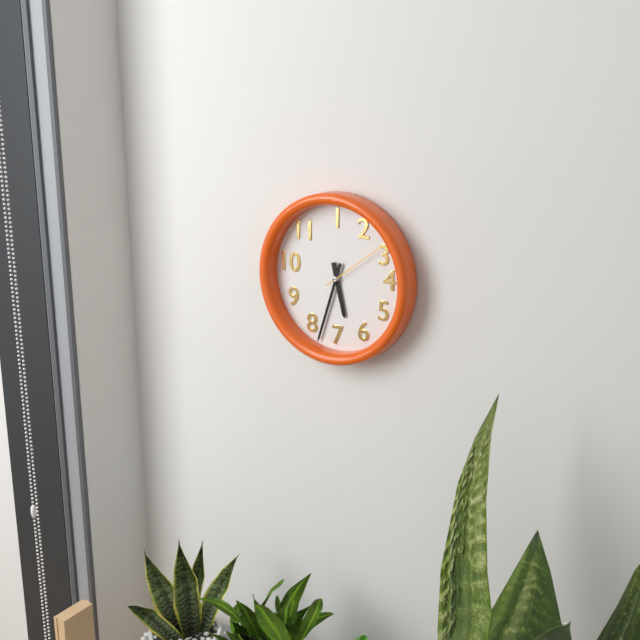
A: 5 h 33 min 09 s
